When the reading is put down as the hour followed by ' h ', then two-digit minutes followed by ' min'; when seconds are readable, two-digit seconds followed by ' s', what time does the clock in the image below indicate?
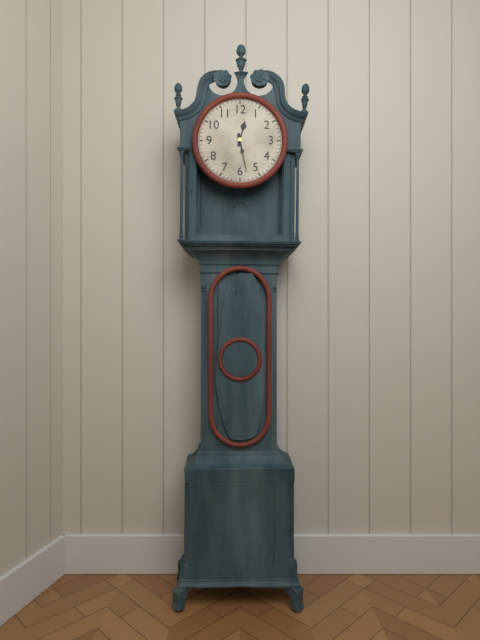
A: 12 h 28 min
